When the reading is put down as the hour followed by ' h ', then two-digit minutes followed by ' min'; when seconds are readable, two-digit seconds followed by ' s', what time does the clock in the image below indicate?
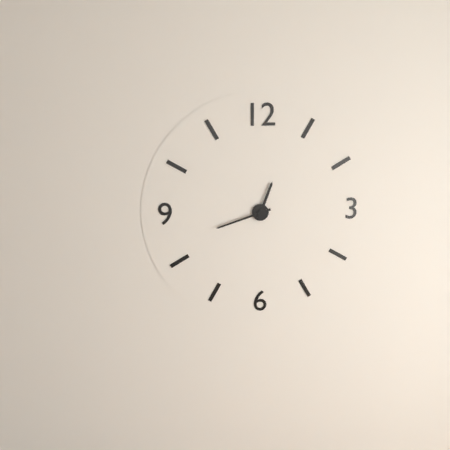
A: 12 h 42 min
